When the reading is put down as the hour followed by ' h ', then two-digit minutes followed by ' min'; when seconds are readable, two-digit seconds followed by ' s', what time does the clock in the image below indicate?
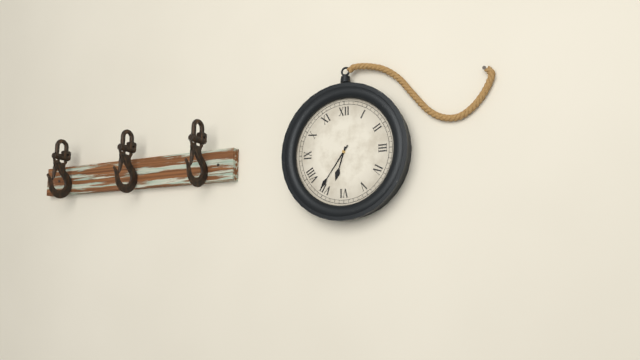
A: 6 h 36 min
